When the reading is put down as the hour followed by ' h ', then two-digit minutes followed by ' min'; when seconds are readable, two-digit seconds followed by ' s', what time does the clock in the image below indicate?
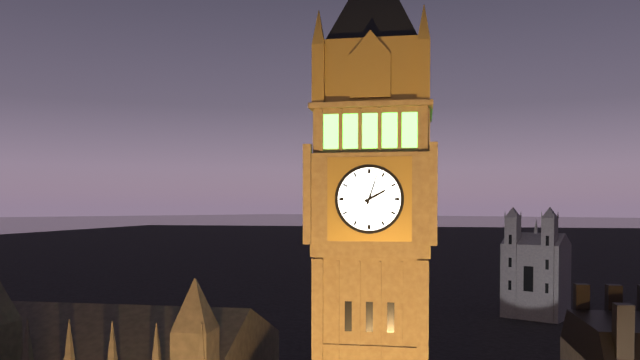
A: 2 h 03 min
